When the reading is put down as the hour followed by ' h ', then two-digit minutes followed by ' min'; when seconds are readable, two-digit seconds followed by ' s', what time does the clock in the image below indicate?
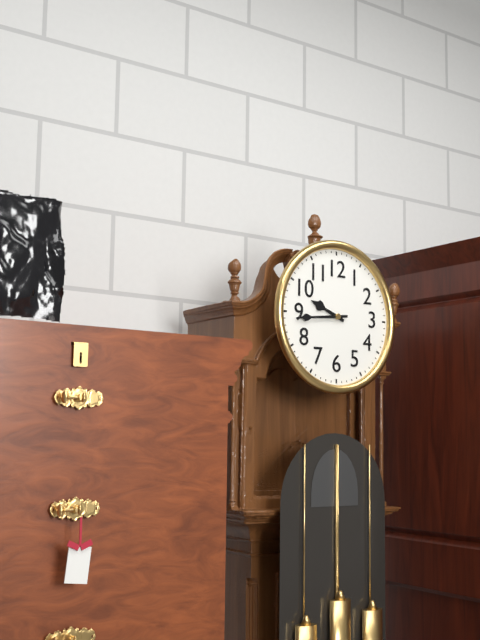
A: 9 h 44 min
